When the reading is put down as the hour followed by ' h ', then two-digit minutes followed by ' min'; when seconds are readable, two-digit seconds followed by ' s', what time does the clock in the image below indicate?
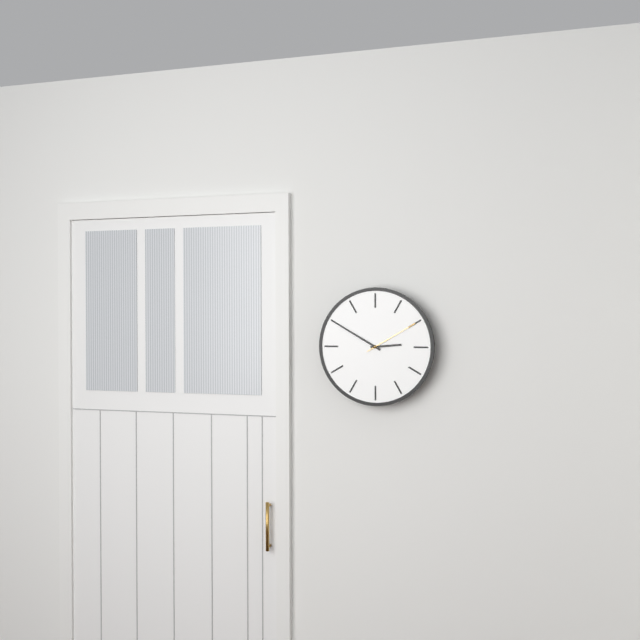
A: 2 h 50 min 10 s
